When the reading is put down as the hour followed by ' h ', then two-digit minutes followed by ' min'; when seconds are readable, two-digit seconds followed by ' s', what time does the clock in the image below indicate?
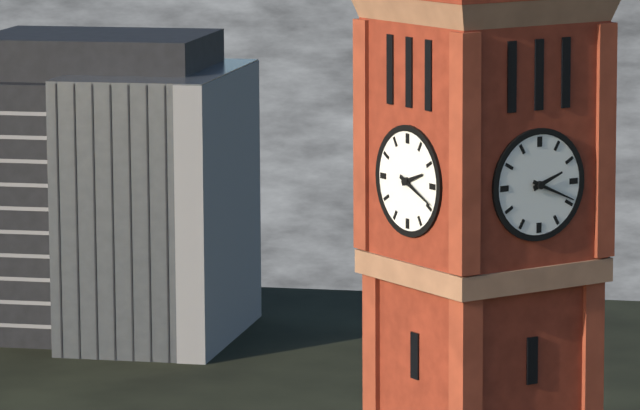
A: 2 h 19 min
